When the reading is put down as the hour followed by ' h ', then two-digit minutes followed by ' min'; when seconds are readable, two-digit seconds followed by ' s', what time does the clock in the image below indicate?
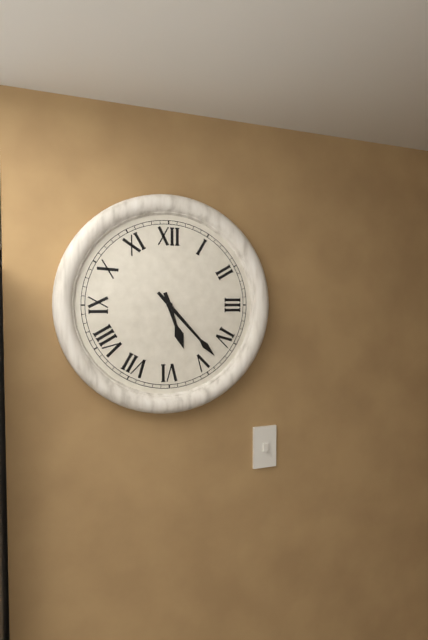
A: 5 h 23 min
